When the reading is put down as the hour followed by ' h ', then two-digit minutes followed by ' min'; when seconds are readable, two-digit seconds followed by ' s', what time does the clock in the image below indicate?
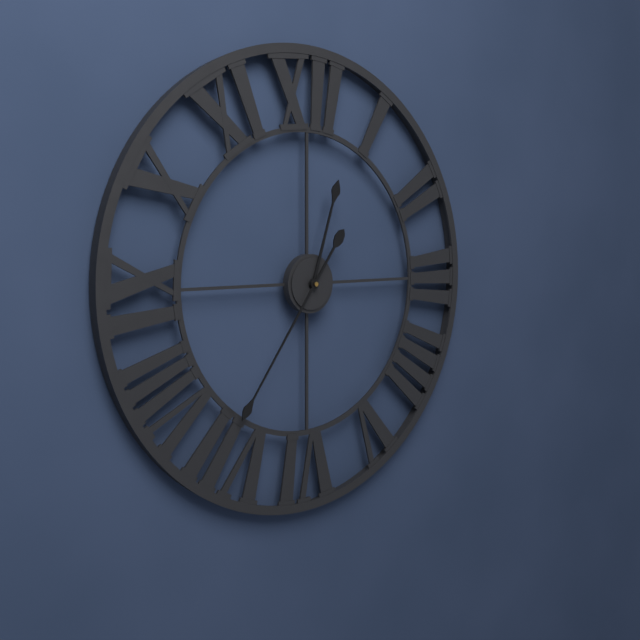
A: 12 h 36 min
